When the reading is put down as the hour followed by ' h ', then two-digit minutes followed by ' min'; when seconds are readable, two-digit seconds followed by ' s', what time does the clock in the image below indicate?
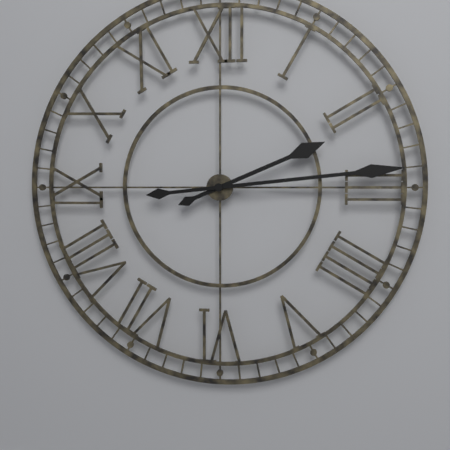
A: 2 h 14 min
